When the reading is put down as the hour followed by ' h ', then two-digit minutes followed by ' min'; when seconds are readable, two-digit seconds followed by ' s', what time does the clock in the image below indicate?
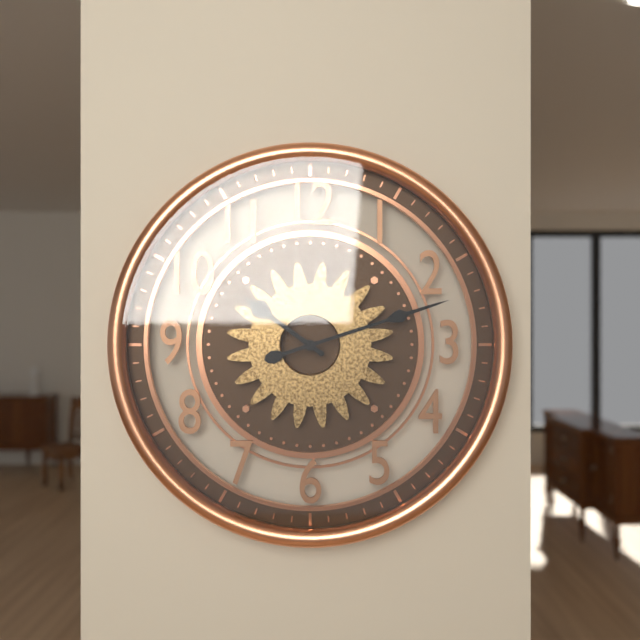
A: 10 h 12 min
